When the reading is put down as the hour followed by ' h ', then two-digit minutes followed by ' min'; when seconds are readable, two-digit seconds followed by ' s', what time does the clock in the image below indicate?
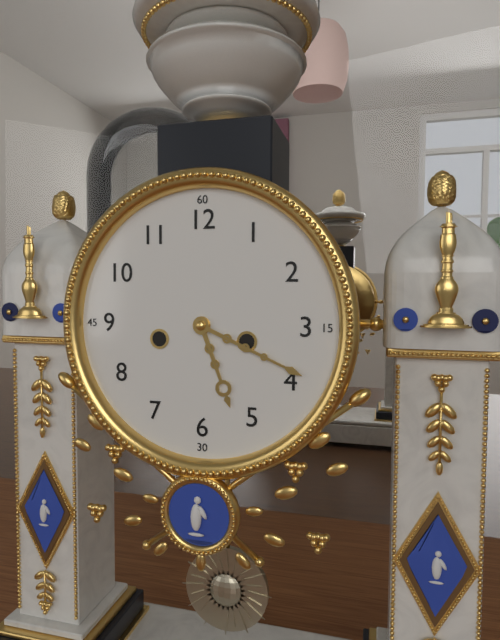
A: 5 h 19 min
